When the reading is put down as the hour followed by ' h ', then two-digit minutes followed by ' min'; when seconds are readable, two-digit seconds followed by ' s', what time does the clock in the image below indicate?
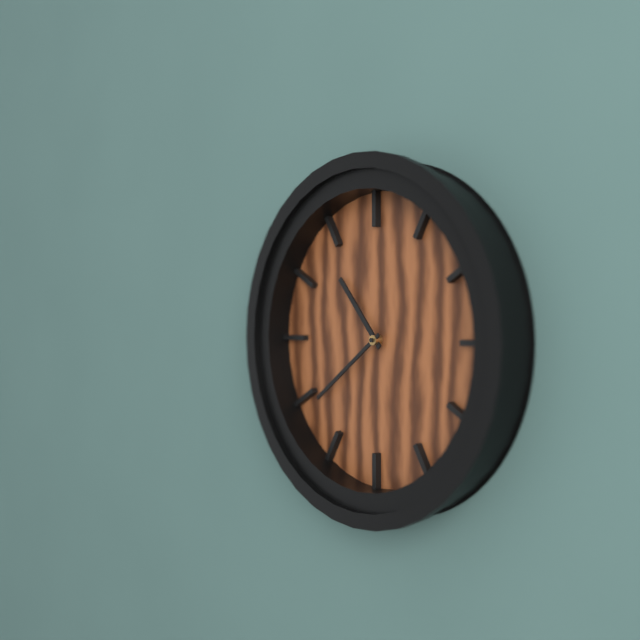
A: 10 h 39 min
